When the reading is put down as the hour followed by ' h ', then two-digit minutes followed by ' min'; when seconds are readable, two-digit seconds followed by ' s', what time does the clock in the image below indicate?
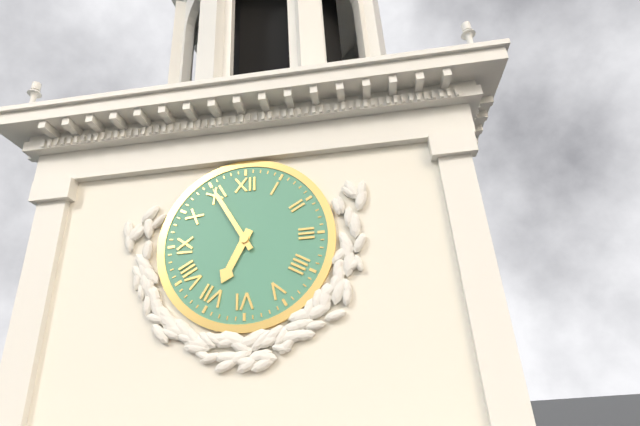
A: 6 h 55 min
